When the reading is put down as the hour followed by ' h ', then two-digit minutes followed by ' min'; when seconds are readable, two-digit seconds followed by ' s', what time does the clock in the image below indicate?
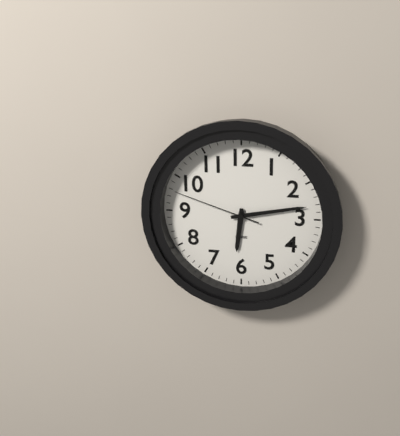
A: 6 h 13 min 48 s
